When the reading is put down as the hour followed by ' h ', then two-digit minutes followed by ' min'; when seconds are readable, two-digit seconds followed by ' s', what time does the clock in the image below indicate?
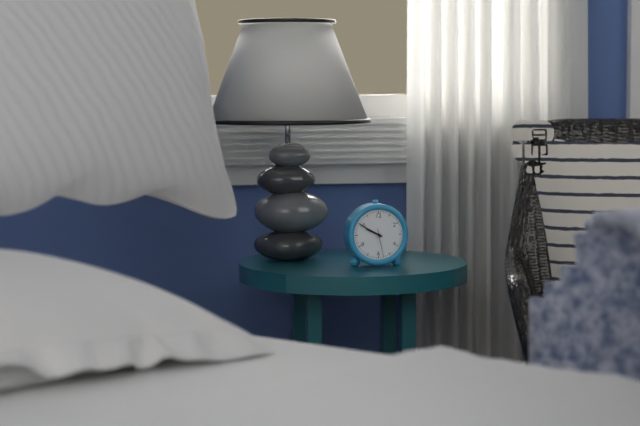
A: 9 h 50 min
